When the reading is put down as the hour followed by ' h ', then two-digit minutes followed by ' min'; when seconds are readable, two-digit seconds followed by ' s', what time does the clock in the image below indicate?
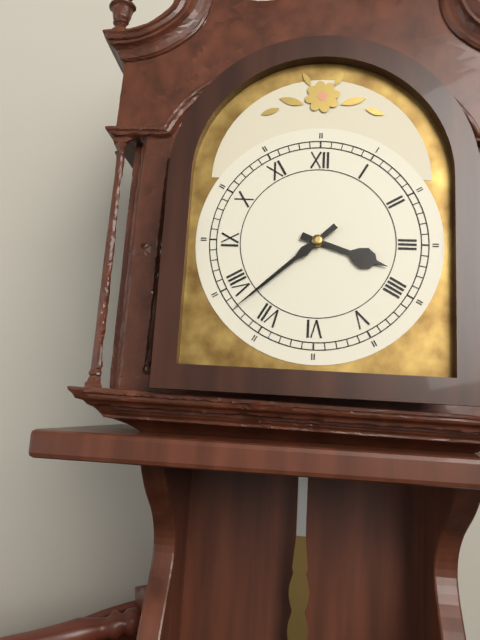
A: 3 h 38 min
